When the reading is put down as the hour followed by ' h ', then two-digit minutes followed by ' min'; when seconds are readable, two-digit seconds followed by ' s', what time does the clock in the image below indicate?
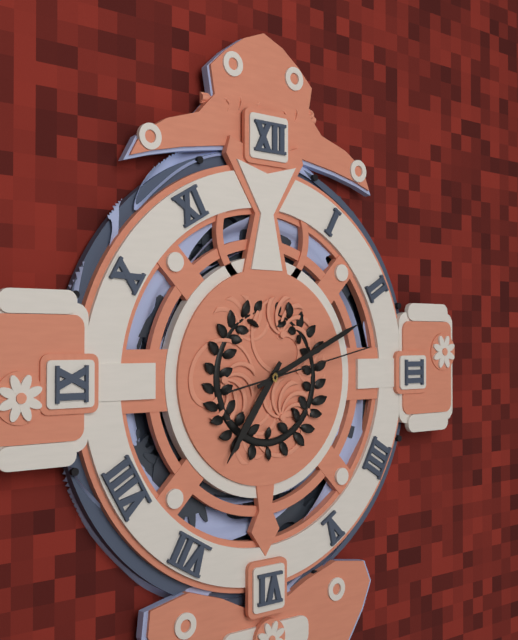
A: 7 h 11 min 13 s
